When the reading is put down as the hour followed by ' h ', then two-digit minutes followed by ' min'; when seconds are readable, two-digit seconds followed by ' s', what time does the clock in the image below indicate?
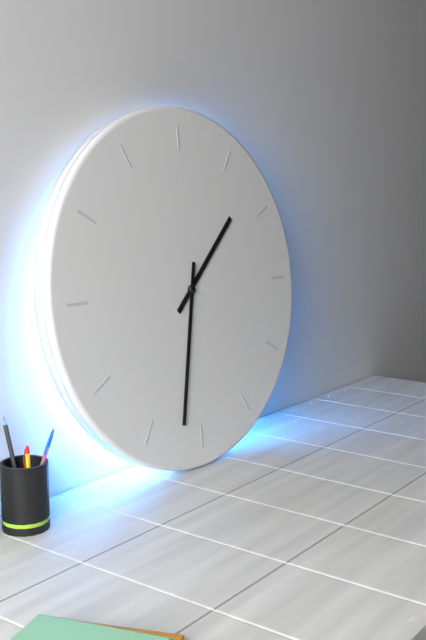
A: 1 h 32 min
